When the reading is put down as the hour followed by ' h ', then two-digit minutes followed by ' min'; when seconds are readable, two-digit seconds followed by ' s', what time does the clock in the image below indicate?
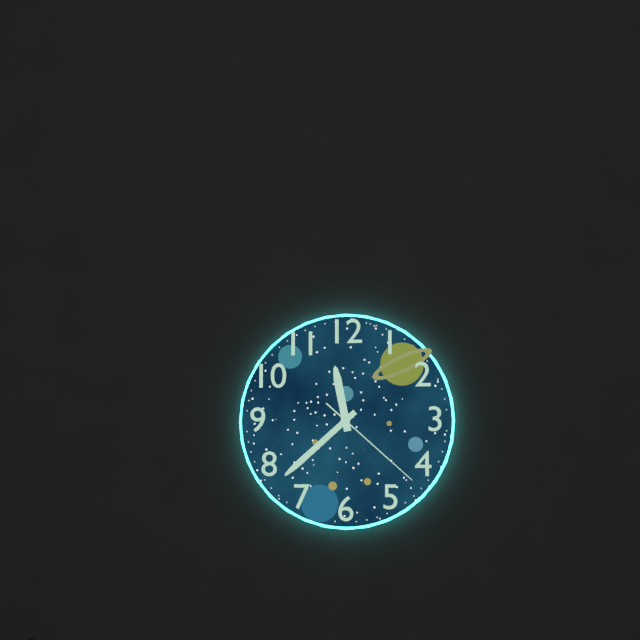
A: 11 h 38 min 22 s
